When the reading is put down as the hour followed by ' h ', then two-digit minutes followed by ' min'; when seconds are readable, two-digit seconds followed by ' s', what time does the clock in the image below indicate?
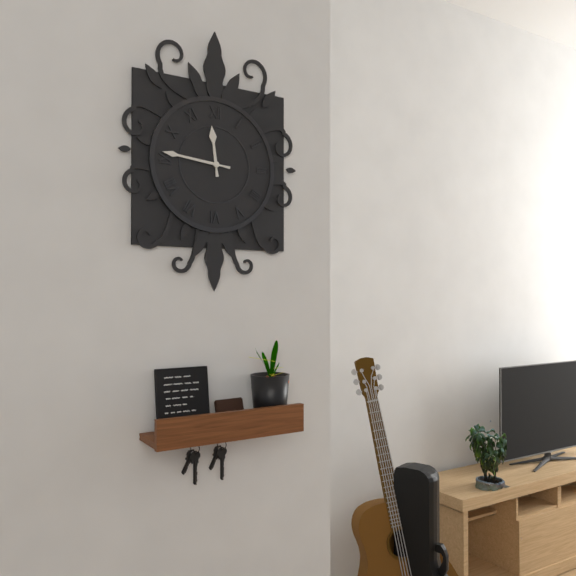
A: 11 h 46 min
